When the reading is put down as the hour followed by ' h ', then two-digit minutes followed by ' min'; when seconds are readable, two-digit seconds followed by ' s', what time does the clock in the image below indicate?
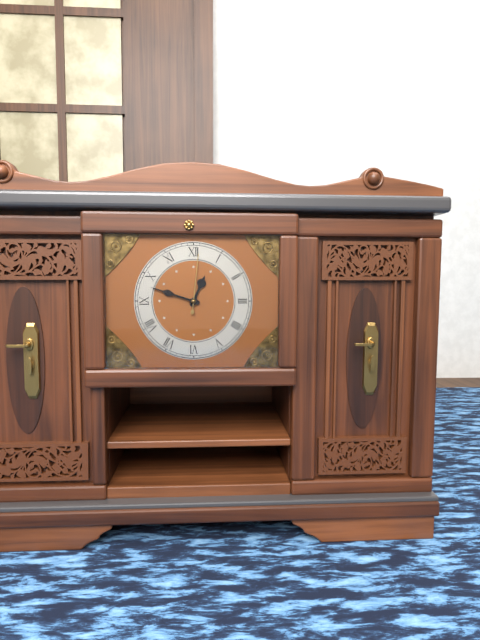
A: 12 h 48 min 01 s
